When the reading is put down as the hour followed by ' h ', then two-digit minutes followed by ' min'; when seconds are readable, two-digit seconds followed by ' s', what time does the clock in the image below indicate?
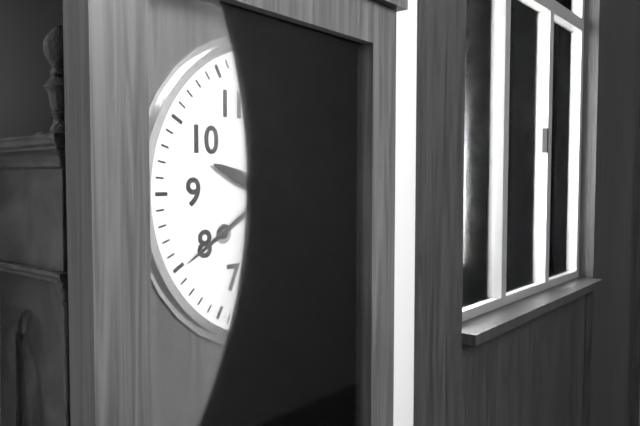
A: 9 h 40 min
